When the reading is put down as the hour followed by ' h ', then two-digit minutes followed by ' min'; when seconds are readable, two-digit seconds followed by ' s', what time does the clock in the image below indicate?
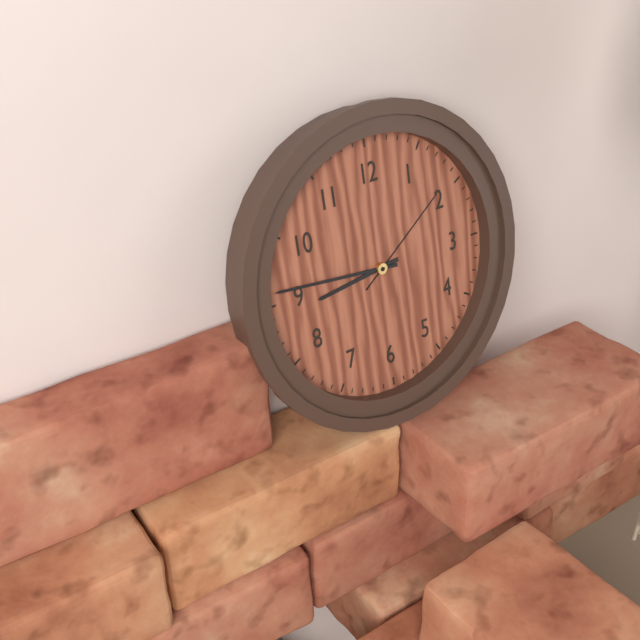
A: 8 h 46 min 09 s
